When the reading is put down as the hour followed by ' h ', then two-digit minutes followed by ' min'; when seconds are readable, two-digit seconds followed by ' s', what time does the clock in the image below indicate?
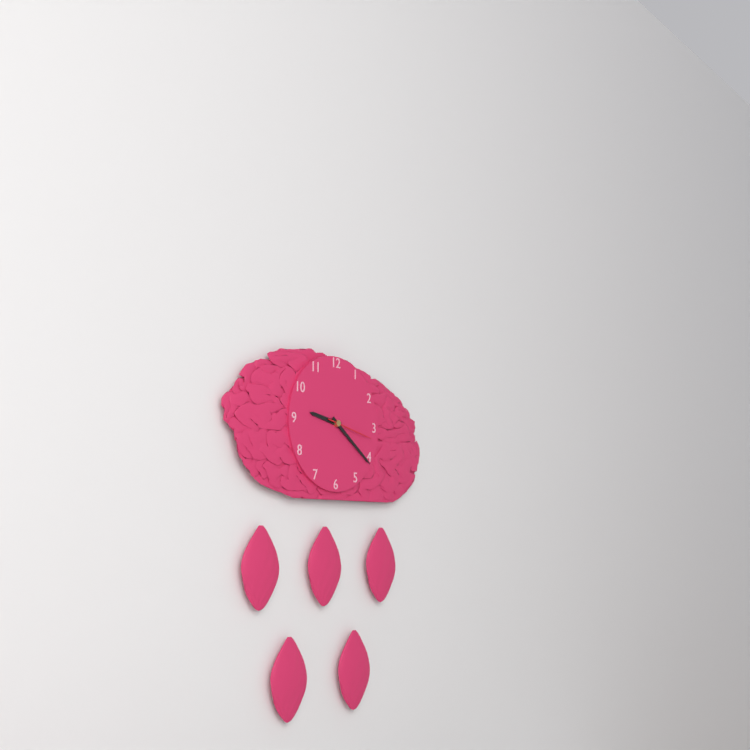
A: 9 h 21 min
